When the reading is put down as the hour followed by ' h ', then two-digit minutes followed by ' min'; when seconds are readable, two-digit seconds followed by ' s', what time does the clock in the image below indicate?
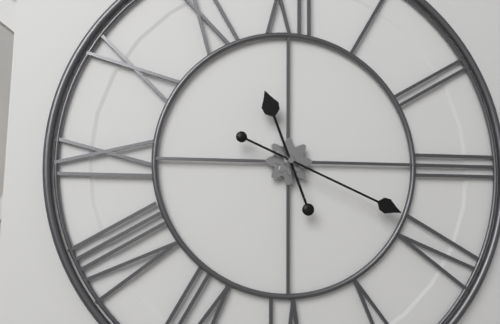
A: 11 h 19 min
